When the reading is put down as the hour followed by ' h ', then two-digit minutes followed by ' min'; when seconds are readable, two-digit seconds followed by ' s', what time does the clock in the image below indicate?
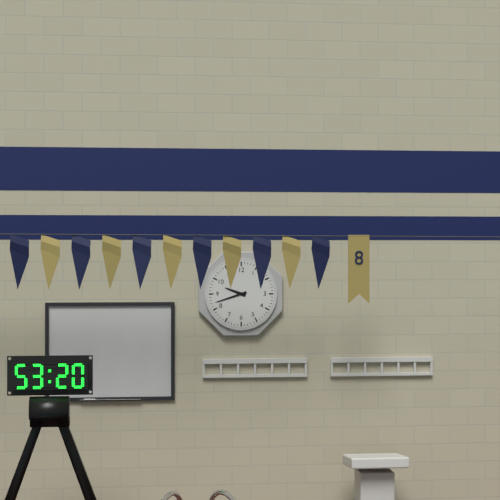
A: 9 h 42 min
